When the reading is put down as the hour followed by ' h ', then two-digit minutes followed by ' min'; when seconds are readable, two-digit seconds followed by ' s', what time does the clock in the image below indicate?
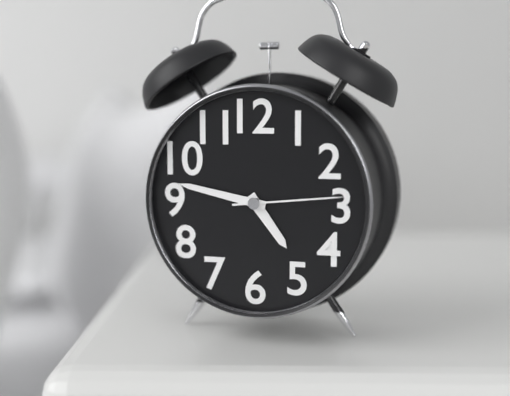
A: 4 h 47 min 14 s
